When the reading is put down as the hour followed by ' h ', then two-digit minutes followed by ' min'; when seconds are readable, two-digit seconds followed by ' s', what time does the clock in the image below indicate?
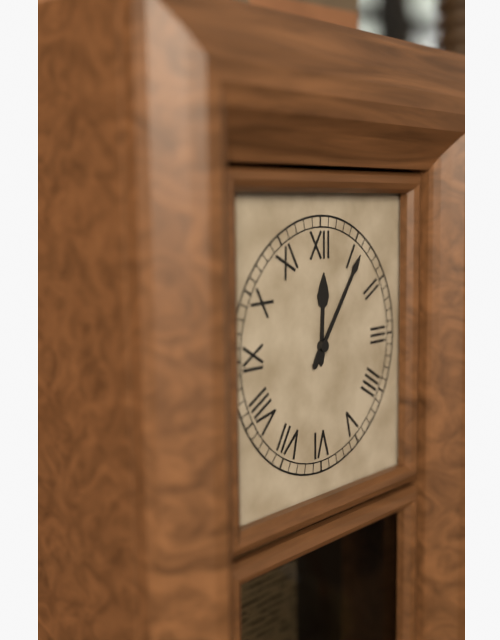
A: 12 h 06 min
